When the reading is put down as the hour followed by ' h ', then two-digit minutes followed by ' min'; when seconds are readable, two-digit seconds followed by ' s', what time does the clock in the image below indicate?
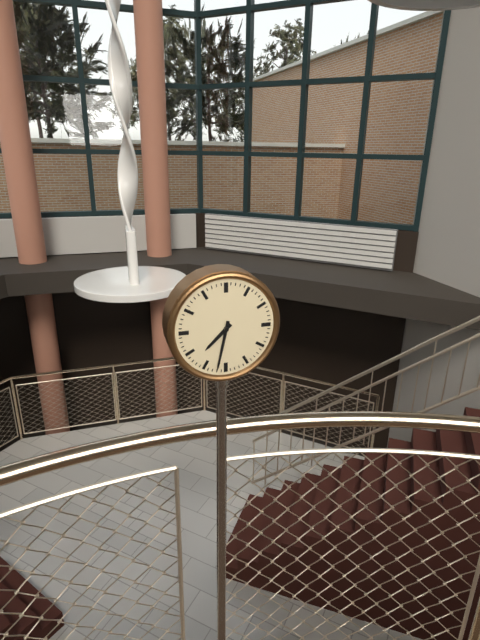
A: 7 h 32 min
